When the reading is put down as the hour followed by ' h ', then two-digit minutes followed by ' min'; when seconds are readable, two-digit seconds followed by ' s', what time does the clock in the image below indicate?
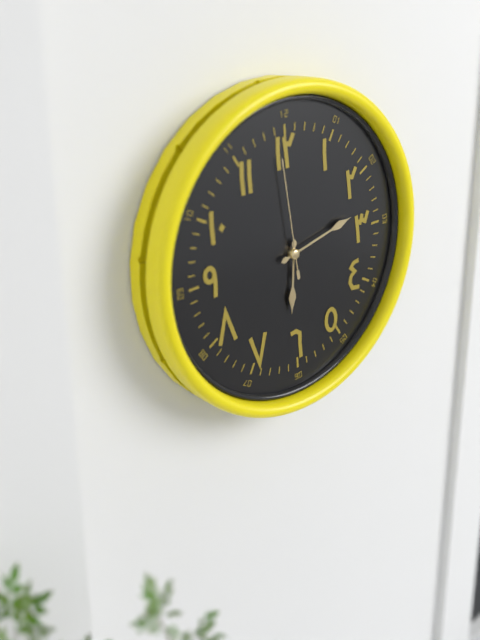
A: 6 h 13 min 59 s
